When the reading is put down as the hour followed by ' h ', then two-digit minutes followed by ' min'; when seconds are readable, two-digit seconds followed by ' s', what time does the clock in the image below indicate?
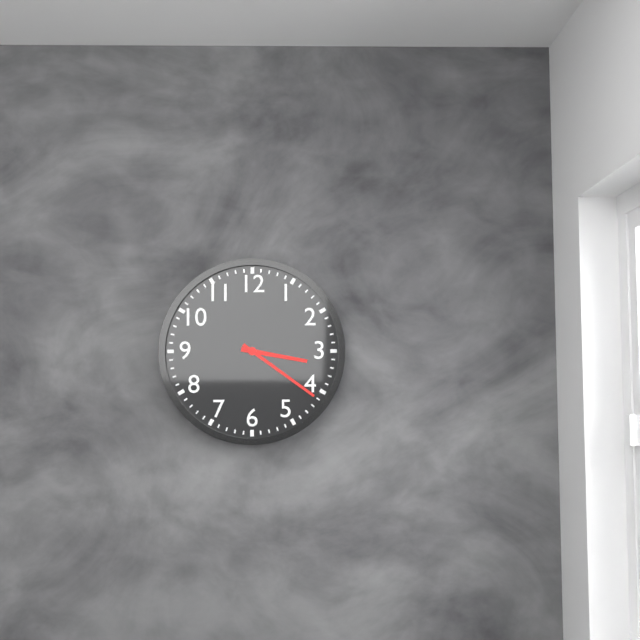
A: 3 h 21 min
